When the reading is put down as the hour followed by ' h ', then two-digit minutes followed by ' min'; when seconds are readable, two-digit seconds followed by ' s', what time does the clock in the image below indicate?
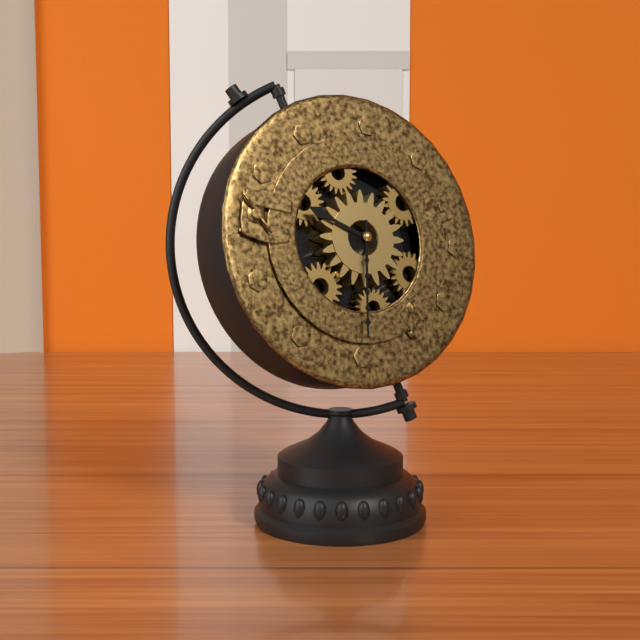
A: 9 h 29 min
